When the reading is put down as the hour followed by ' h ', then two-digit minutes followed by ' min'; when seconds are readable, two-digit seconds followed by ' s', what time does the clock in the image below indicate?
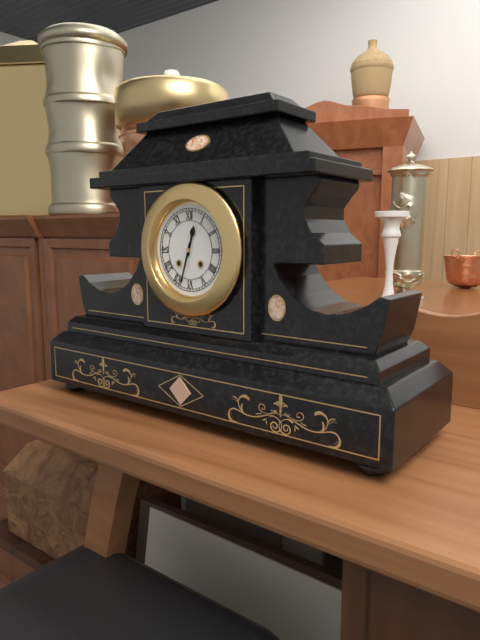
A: 12 h 33 min
